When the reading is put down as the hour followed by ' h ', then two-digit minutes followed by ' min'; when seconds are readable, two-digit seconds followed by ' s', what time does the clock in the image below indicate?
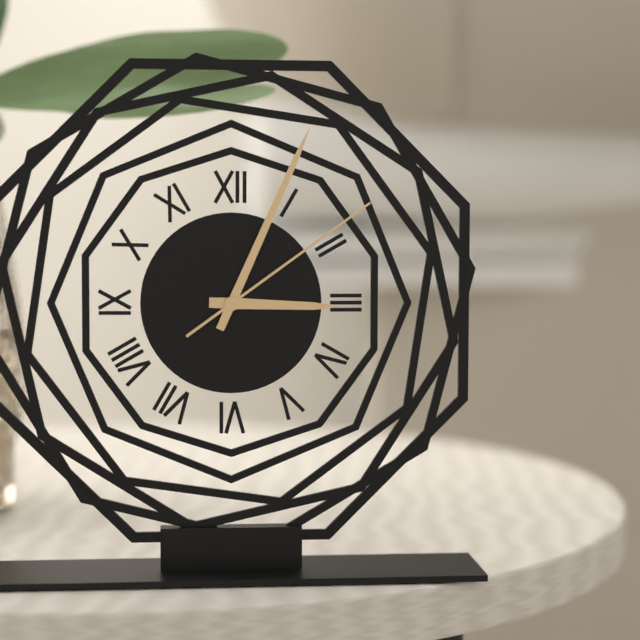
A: 3 h 04 min 09 s
